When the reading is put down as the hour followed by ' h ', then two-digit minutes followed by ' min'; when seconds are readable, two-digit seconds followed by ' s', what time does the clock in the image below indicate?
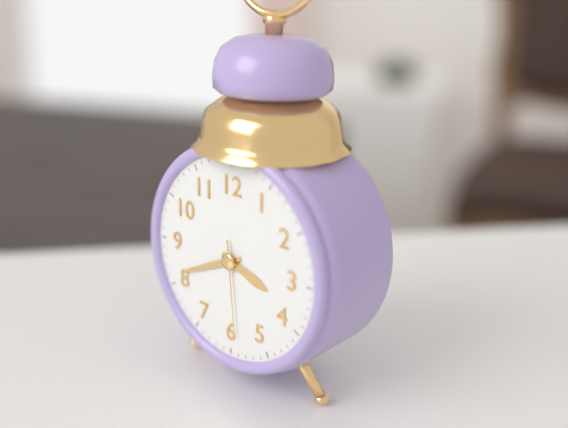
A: 3 h 41 min 29 s
